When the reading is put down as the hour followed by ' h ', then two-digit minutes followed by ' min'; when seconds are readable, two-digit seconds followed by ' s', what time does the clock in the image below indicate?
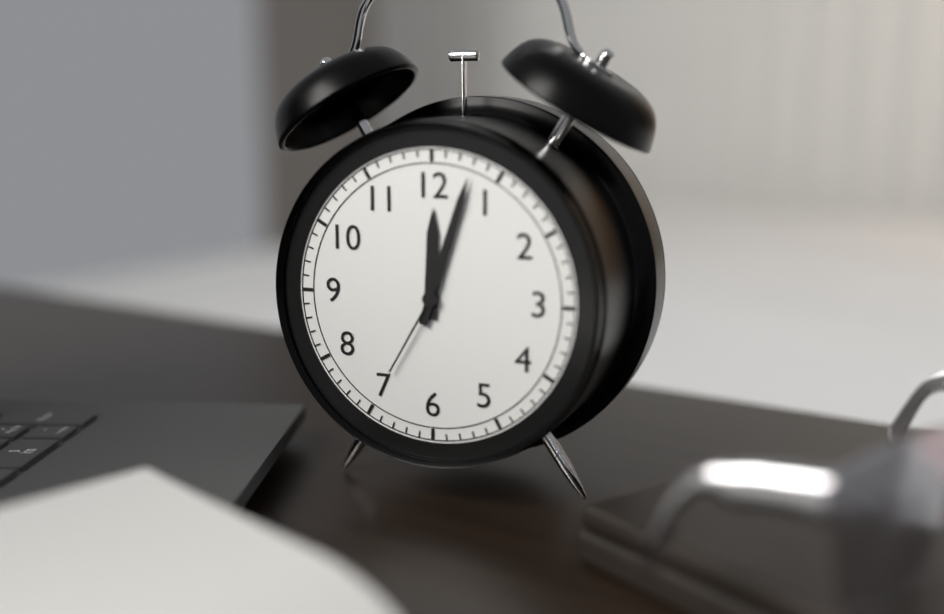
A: 12 h 03 min 35 s
